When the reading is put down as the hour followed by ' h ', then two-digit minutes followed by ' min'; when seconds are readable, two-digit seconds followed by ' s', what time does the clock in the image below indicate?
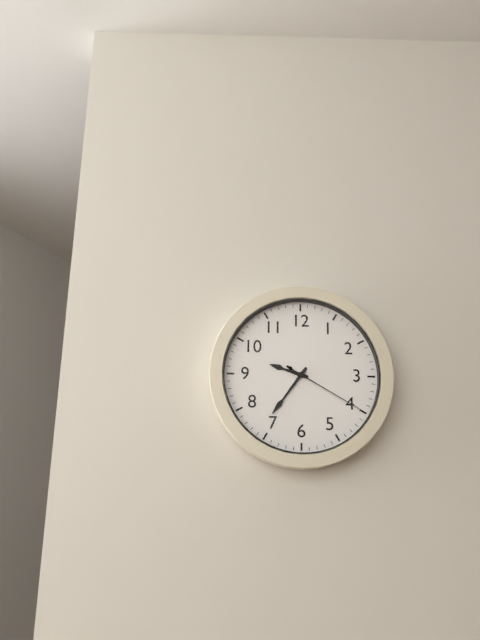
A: 9 h 36 min 20 s
